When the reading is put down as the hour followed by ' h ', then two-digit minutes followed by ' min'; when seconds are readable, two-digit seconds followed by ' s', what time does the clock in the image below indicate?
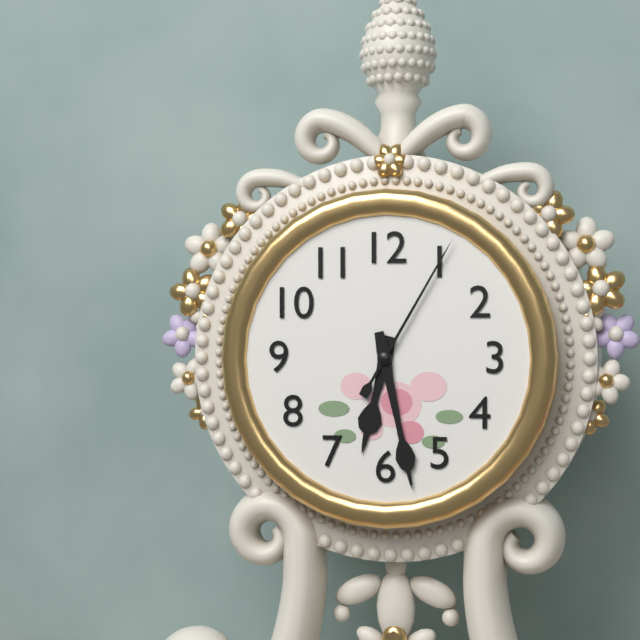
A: 6 h 28 min 05 s
